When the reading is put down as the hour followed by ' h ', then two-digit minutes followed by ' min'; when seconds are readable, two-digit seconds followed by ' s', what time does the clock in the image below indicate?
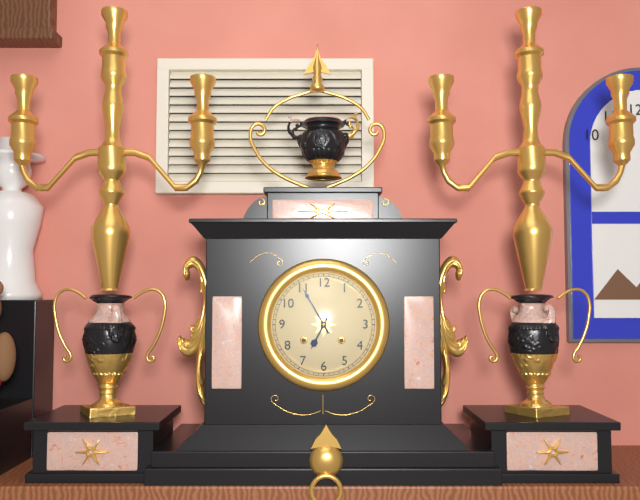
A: 6 h 55 min
